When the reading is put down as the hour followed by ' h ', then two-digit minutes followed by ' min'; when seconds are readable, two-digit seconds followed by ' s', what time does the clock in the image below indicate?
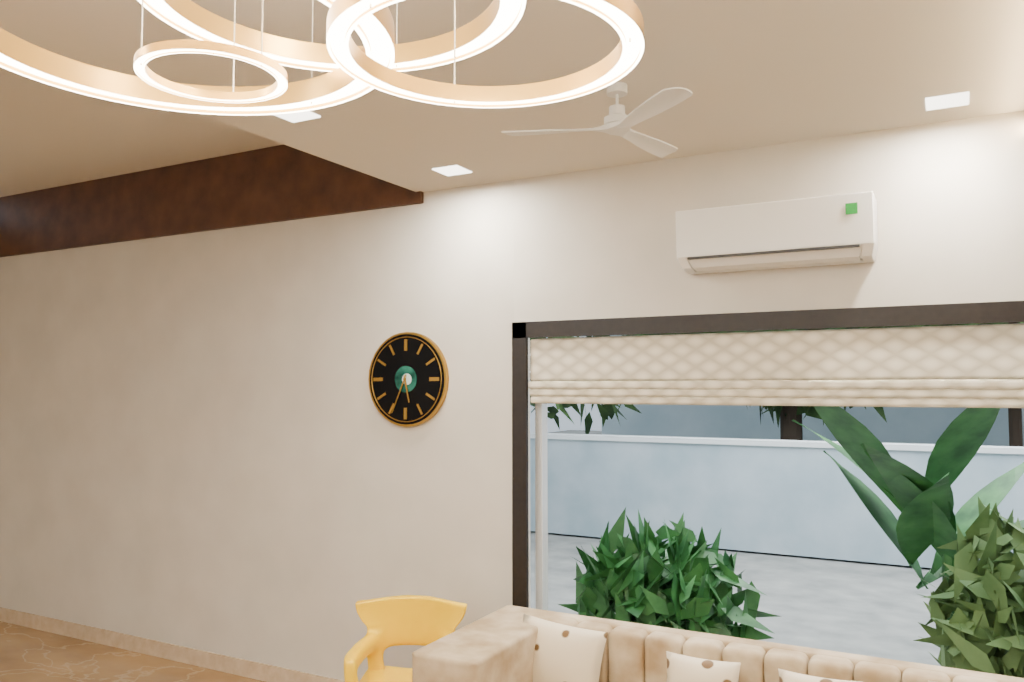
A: 5 h 34 min
